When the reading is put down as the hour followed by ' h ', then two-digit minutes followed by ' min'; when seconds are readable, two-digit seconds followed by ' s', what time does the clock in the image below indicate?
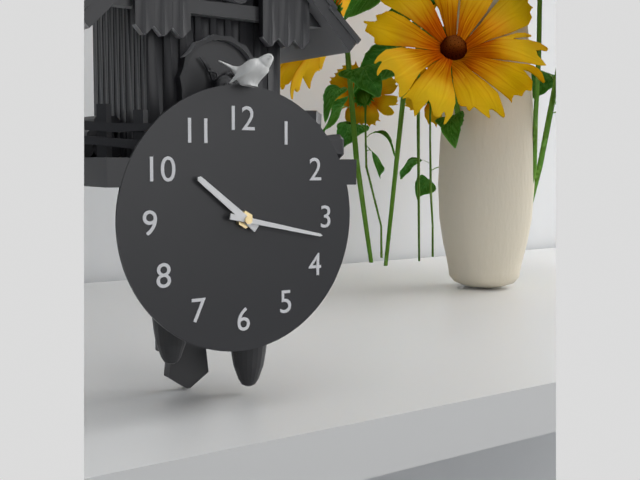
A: 10 h 17 min
